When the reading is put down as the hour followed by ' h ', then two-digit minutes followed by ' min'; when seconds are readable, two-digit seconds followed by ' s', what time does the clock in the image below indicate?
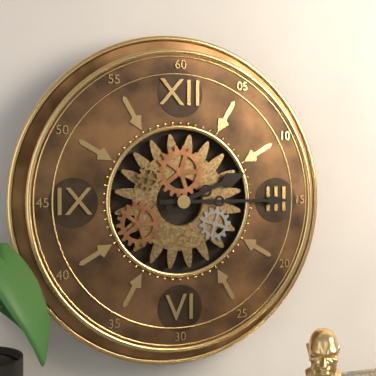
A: 2 h 15 min
